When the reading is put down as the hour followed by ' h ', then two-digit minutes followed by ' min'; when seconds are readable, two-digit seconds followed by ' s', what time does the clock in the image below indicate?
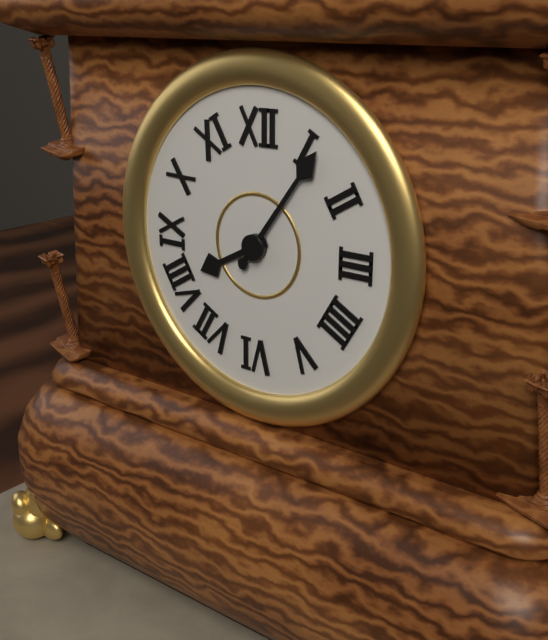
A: 8 h 06 min
